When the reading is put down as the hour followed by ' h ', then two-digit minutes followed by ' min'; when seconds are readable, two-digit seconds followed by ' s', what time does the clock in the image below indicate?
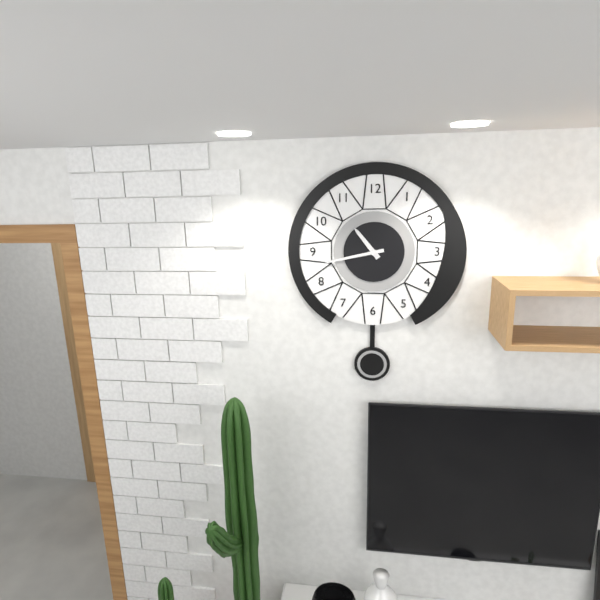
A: 10 h 43 min
